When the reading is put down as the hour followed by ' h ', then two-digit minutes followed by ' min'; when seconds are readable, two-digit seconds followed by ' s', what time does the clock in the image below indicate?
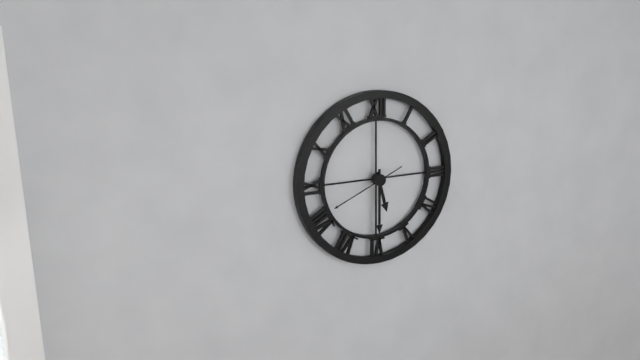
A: 5 h 30 min 41 s
